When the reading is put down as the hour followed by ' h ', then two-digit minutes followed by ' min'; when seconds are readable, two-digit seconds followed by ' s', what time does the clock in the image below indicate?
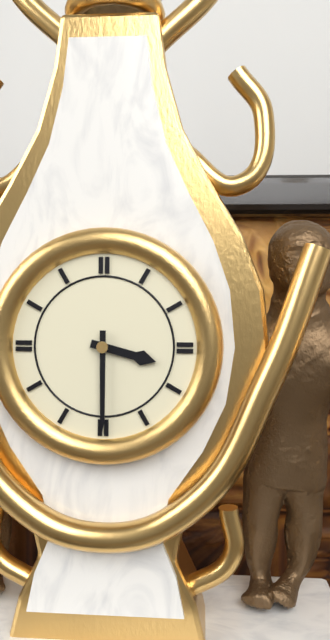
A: 3 h 30 min
